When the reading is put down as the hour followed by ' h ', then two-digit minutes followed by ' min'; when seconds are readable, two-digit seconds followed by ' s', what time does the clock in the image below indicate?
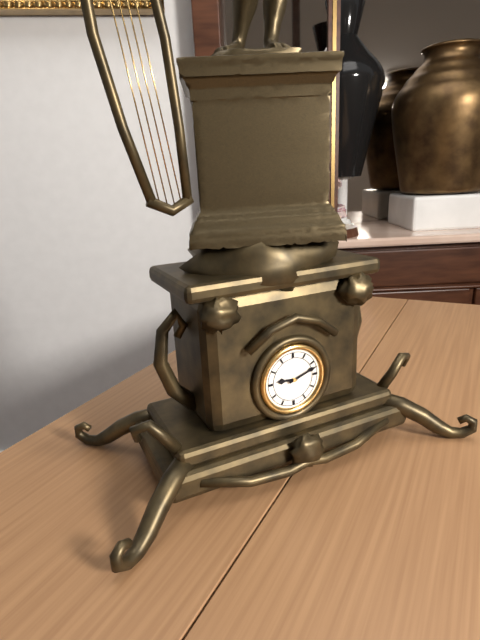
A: 9 h 12 min
